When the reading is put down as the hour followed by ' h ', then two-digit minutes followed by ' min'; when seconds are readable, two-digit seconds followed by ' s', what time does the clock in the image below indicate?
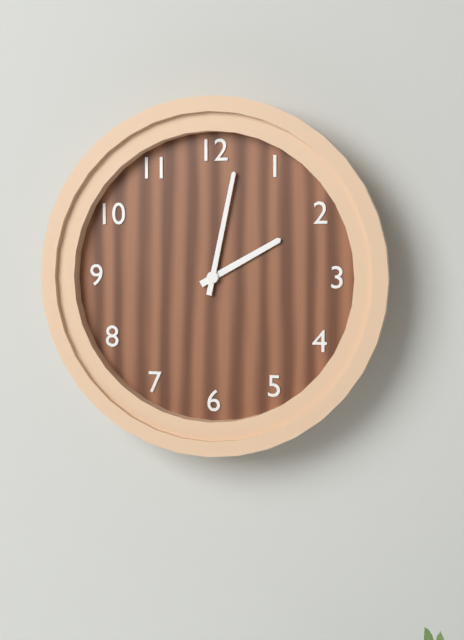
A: 2 h 02 min
